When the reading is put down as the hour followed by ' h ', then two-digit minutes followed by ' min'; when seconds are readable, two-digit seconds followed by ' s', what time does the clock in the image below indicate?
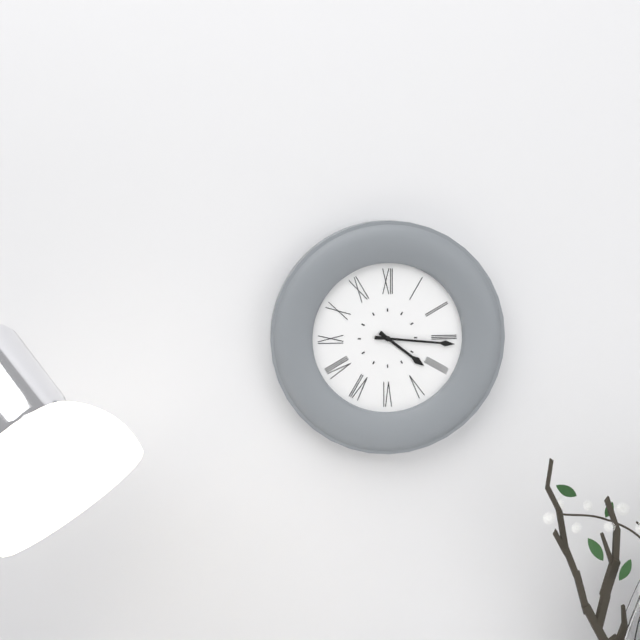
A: 4 h 16 min
